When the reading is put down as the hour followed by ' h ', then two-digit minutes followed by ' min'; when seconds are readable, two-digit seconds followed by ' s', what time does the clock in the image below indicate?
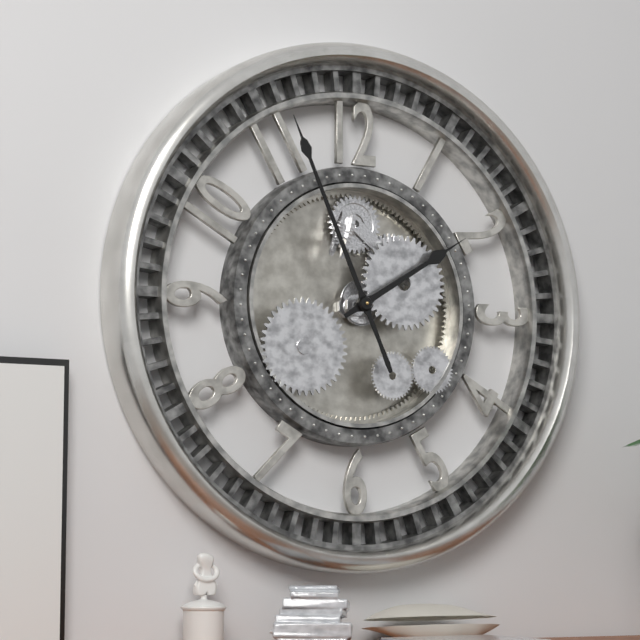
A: 1 h 56 min
